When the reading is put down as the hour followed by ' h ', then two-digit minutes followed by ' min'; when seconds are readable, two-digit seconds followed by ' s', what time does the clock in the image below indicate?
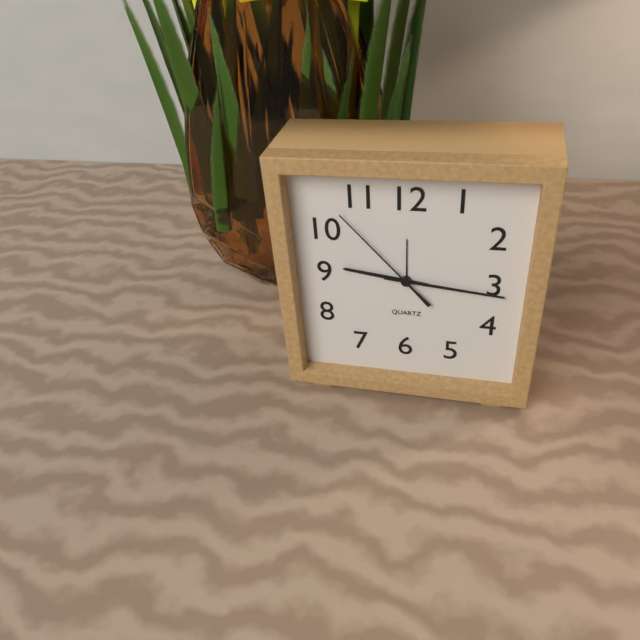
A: 9 h 16 min 53 s
